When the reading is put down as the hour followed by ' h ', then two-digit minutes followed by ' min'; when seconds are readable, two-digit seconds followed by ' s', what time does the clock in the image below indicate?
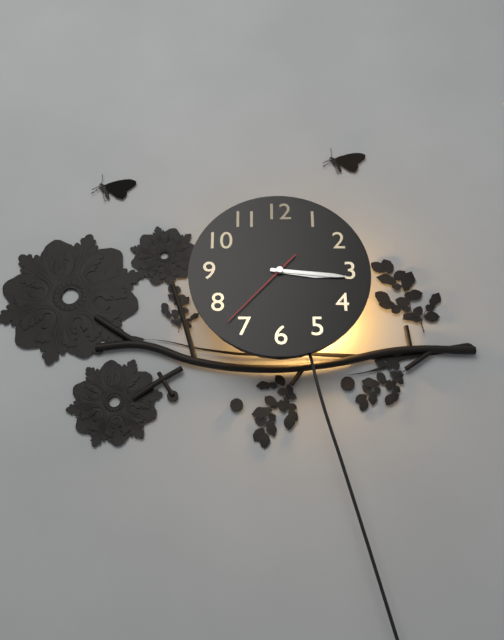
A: 3 h 16 min 37 s
